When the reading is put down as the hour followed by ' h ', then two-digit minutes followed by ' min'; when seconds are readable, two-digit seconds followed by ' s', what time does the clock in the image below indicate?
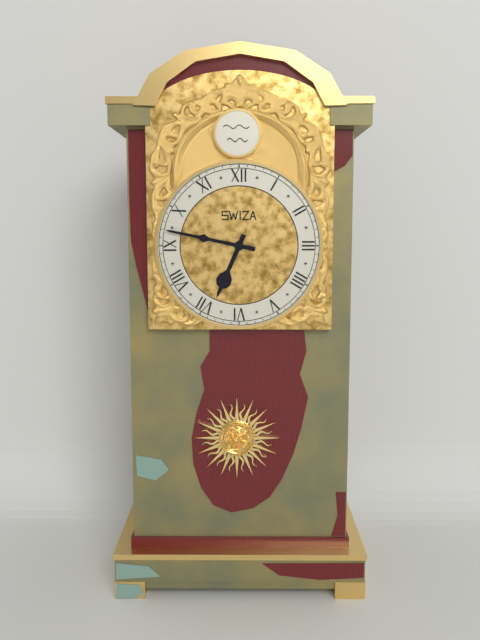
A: 6 h 47 min
